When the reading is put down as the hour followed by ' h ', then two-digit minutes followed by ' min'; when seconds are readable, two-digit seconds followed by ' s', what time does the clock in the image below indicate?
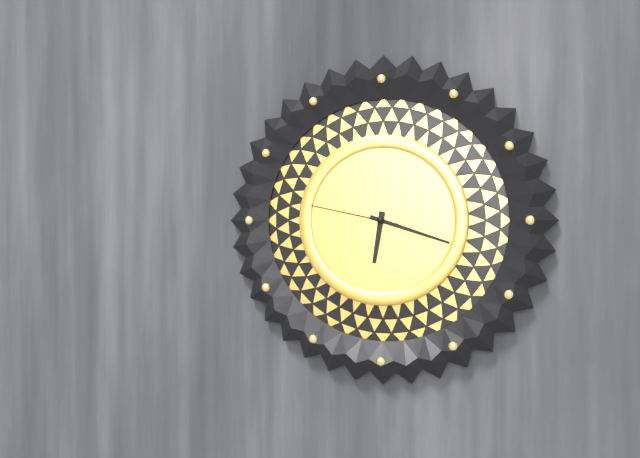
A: 6 h 18 min 47 s
